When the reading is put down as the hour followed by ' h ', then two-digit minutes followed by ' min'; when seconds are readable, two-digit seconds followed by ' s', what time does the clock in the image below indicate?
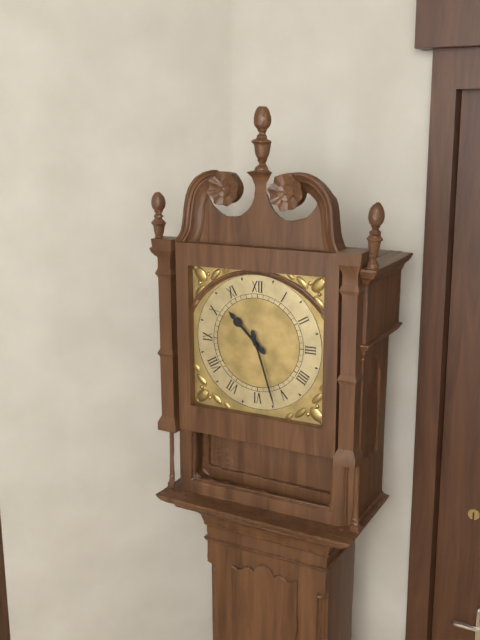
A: 10 h 27 min
